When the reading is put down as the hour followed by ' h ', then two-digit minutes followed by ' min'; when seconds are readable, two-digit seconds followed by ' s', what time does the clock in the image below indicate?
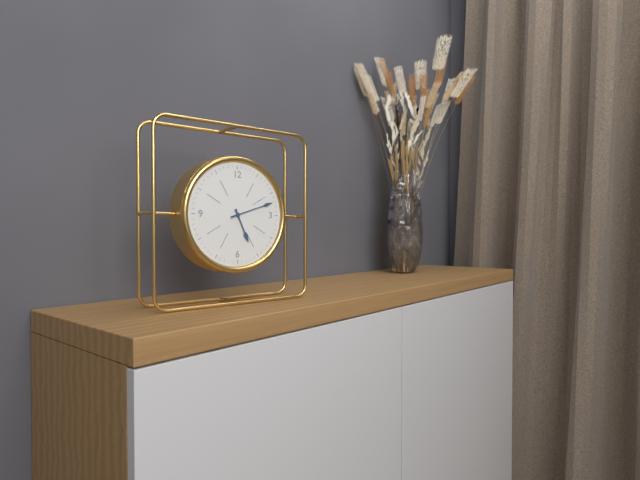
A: 5 h 12 min
